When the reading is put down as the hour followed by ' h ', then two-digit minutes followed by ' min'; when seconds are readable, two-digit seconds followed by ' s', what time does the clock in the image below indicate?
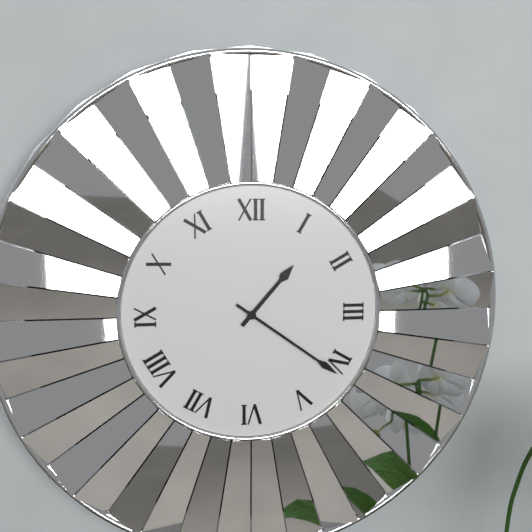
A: 1 h 21 min
